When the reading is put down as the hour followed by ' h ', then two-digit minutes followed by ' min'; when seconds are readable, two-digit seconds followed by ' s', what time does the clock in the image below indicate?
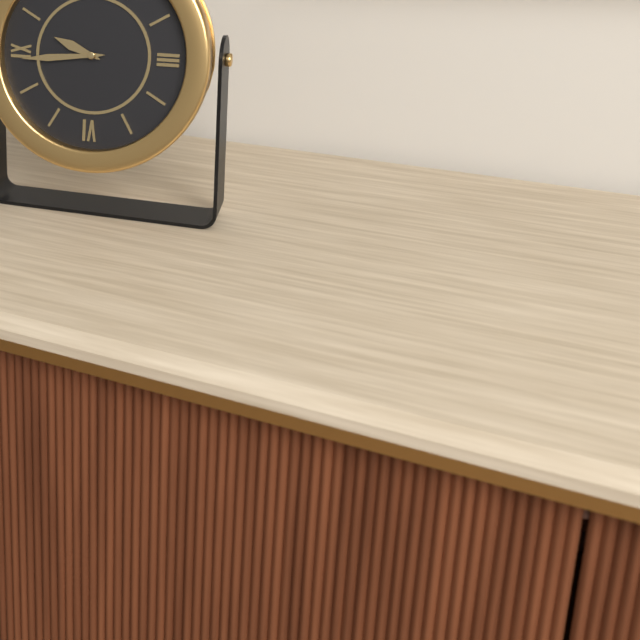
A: 9 h 44 min
